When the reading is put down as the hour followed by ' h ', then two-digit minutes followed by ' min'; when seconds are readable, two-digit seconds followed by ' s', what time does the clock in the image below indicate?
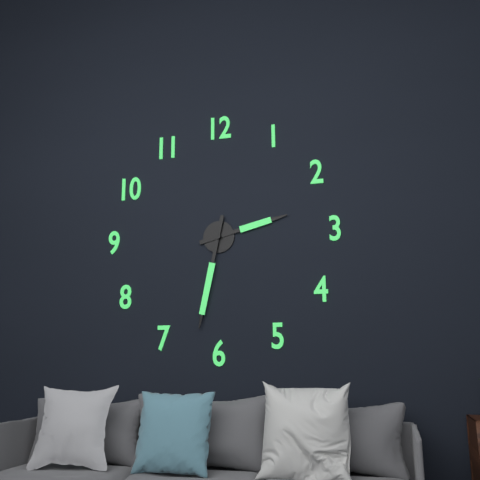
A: 2 h 32 min
